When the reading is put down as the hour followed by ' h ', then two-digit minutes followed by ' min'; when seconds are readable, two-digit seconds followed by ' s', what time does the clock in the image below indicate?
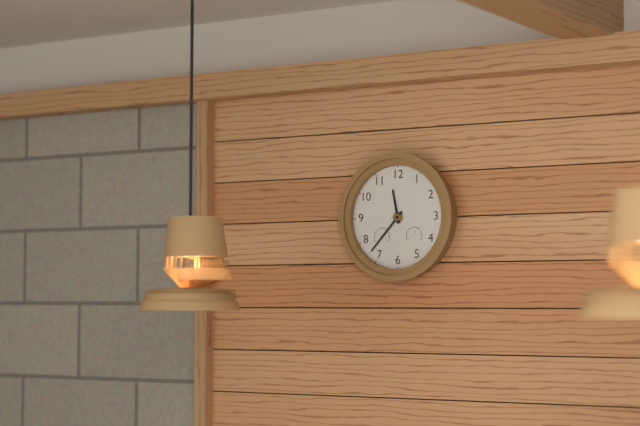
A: 11 h 37 min
